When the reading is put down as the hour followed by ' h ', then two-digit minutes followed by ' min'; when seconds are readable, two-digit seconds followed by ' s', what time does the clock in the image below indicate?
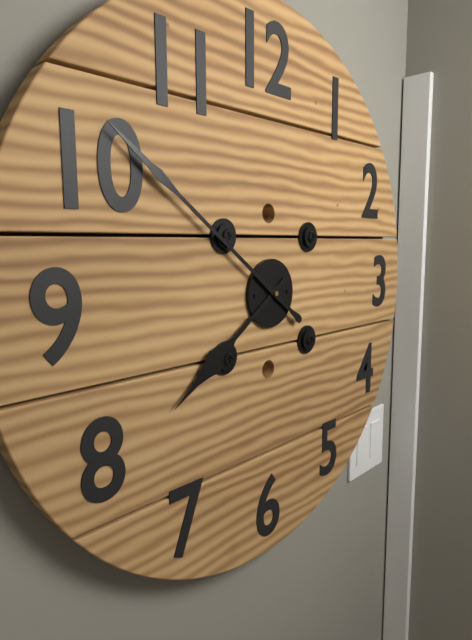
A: 7 h 51 min
